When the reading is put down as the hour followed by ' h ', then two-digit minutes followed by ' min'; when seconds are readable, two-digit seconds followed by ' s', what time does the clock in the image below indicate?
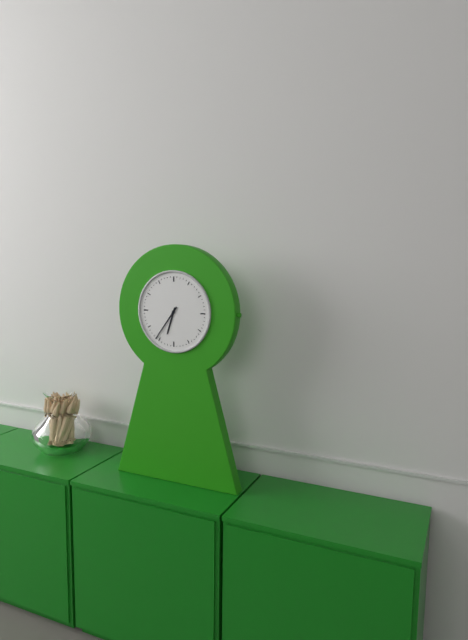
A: 6 h 36 min
